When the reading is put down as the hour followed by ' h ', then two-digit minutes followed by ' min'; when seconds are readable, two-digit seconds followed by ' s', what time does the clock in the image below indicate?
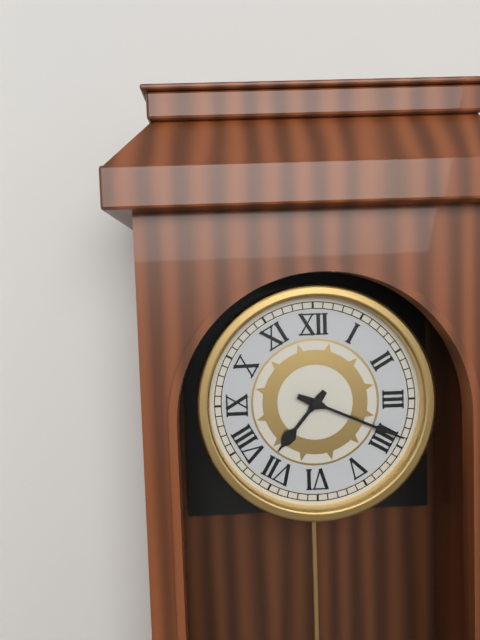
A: 7 h 19 min
